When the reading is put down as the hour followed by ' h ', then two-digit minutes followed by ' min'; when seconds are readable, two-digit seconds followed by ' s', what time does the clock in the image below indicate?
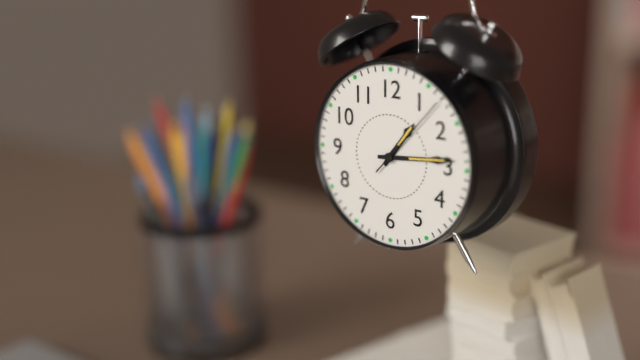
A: 1 h 14 min 07 s
